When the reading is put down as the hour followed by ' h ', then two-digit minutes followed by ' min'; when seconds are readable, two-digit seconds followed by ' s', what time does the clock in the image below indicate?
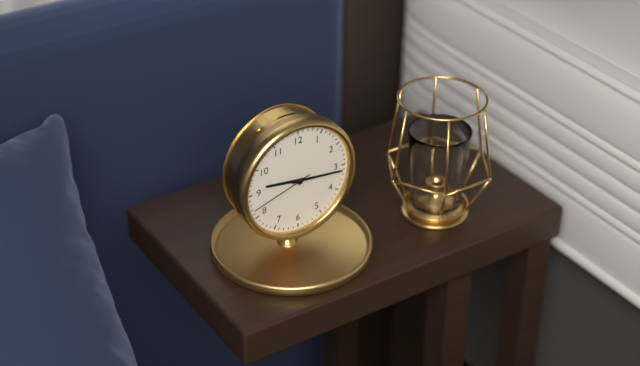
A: 9 h 16 min 42 s
